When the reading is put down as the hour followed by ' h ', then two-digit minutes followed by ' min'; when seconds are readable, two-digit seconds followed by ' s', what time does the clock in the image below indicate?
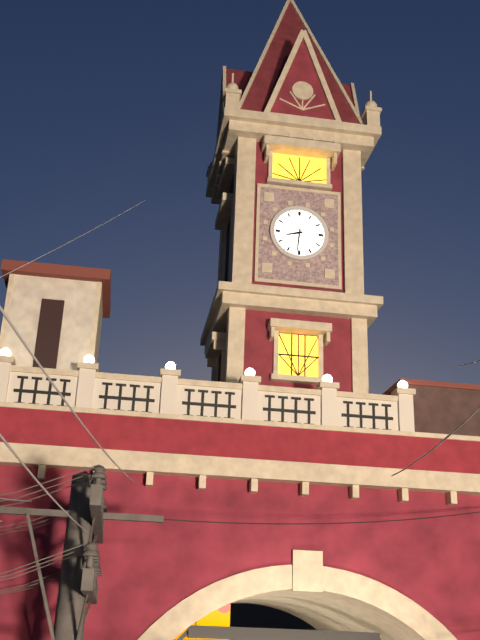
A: 8 h 31 min
